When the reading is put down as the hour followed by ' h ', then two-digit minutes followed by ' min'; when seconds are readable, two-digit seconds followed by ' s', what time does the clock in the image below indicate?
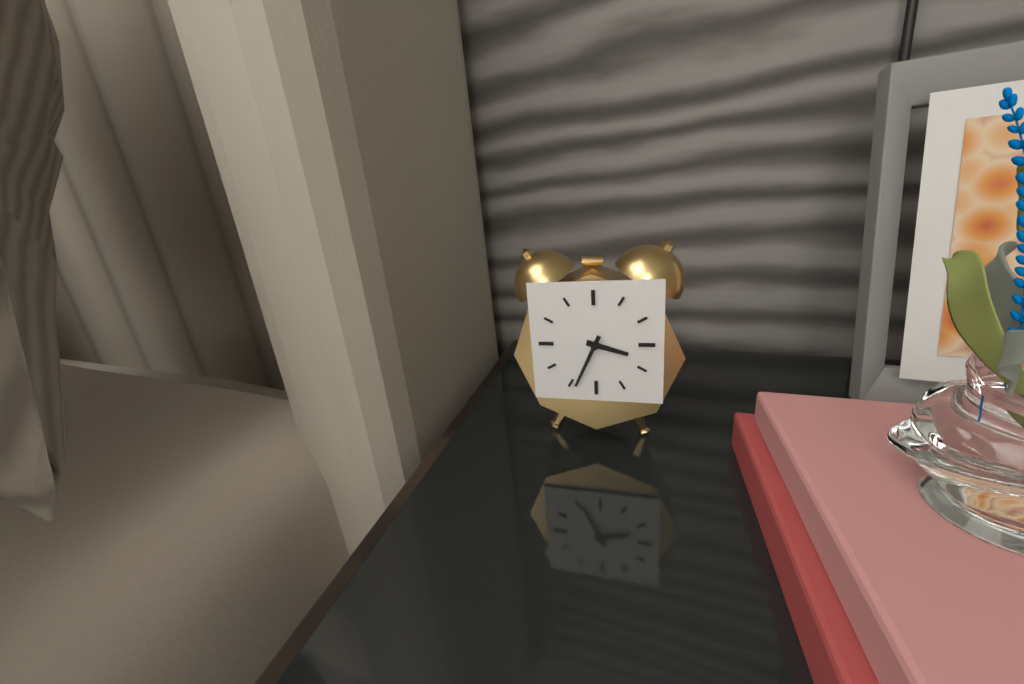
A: 3 h 34 min
